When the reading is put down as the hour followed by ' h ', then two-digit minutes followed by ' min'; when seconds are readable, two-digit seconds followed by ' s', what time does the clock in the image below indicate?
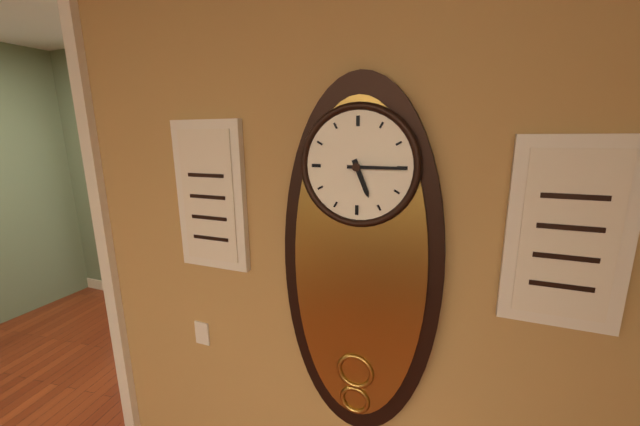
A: 5 h 15 min
